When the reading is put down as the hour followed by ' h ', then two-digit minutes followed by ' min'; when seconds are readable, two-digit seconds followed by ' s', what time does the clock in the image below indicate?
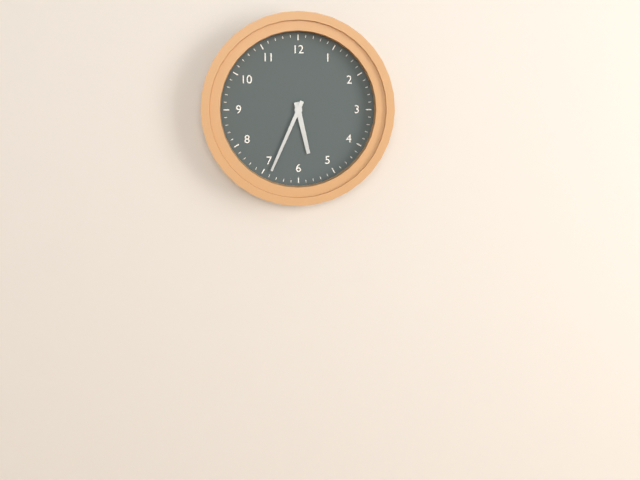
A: 5 h 34 min
